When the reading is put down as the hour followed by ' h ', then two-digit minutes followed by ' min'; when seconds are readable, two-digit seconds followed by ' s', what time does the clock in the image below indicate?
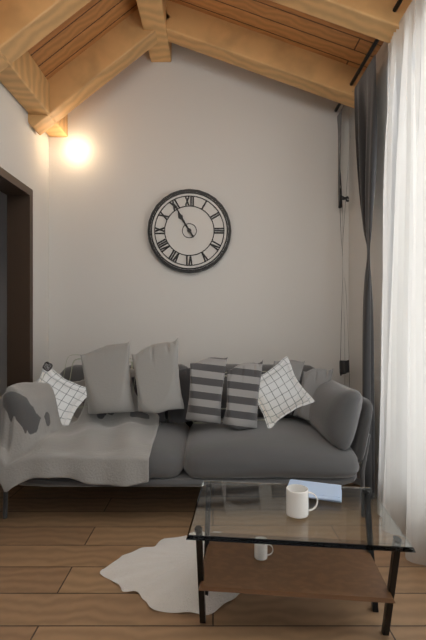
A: 10 h 55 min
